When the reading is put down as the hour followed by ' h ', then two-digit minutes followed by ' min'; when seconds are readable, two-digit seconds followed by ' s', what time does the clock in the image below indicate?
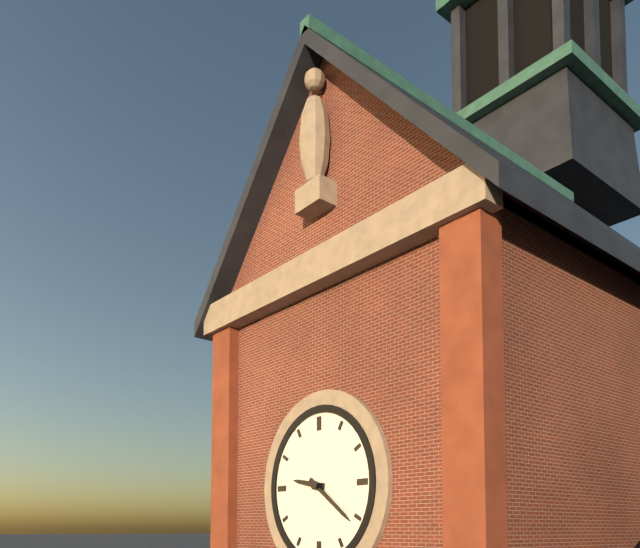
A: 9 h 21 min
